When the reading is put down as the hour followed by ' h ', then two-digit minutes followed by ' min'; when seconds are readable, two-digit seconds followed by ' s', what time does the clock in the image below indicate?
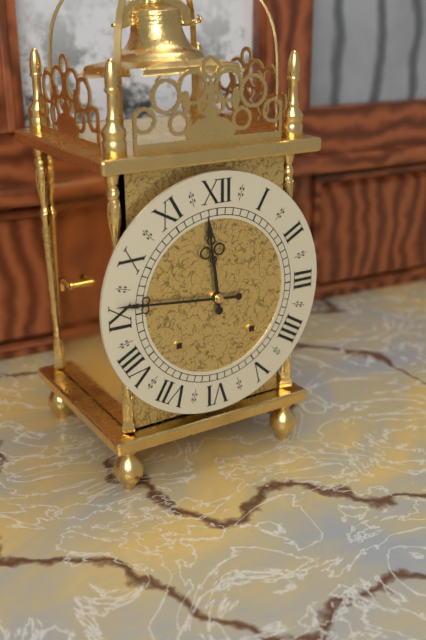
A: 11 h 46 min
